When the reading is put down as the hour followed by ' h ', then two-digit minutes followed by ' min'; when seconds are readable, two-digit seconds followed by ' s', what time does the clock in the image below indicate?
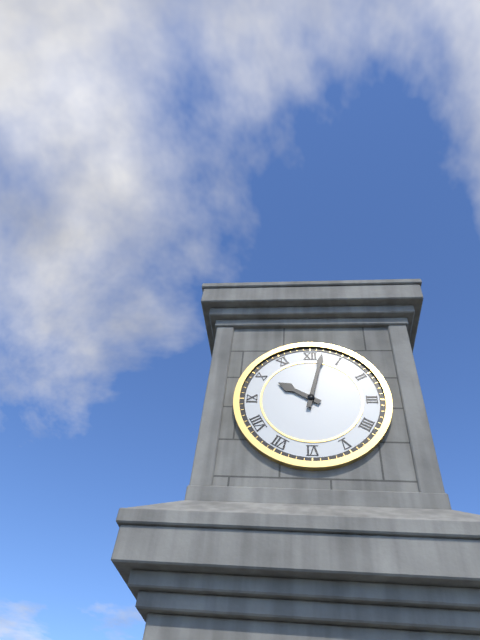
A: 10 h 02 min
